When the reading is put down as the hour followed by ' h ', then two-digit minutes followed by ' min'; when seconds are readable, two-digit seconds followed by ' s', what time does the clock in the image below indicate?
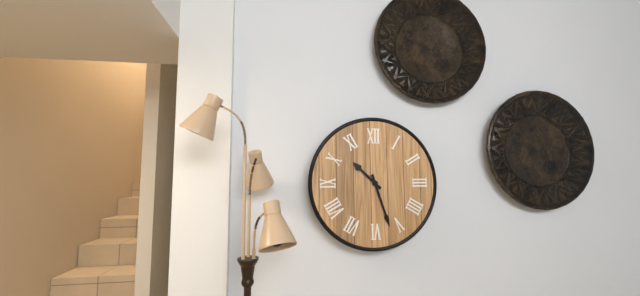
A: 10 h 27 min
